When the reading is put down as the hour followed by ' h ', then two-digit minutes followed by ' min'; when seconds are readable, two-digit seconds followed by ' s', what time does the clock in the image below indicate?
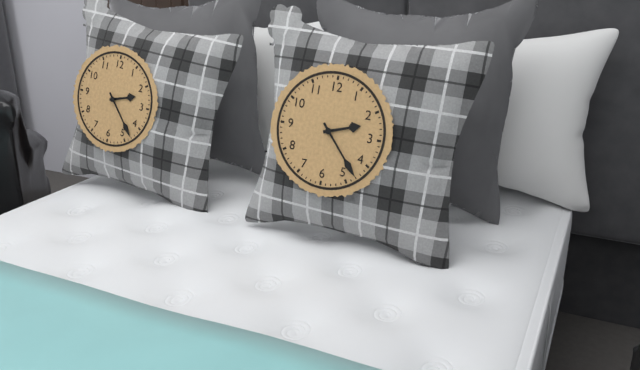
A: 2 h 23 min
